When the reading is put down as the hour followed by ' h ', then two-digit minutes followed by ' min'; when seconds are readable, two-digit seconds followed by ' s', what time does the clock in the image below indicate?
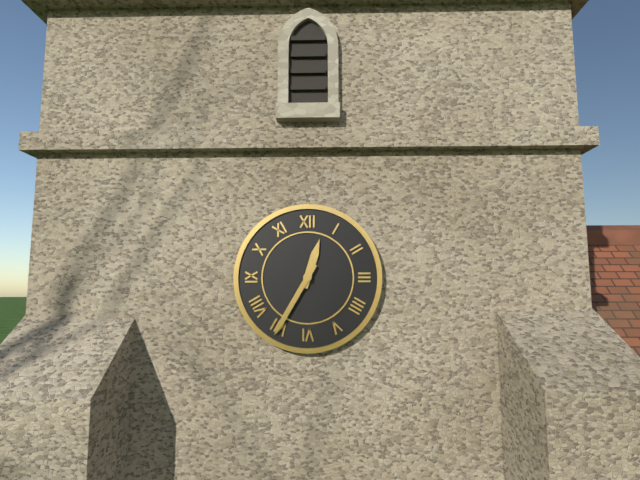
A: 12 h 35 min
